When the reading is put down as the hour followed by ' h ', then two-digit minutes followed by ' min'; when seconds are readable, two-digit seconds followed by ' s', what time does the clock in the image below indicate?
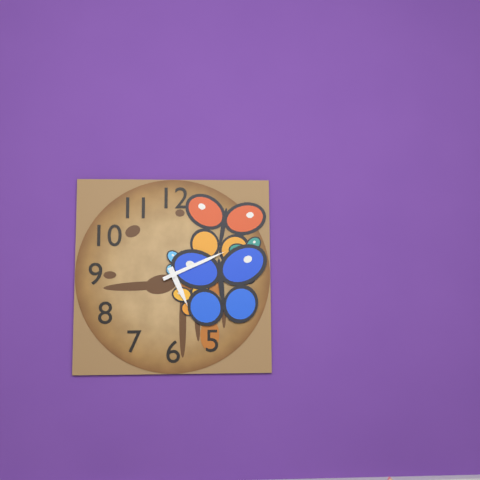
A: 5 h 11 min
